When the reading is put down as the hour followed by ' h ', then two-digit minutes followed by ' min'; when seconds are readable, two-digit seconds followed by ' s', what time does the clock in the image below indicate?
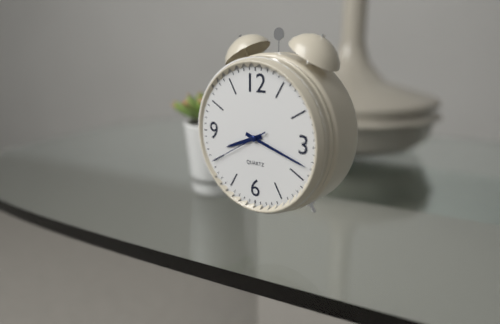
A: 8 h 18 min 40 s
